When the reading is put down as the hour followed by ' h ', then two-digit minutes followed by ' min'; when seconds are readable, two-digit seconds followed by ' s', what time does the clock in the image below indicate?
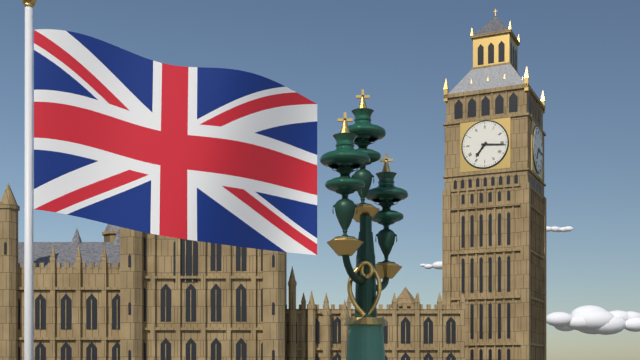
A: 7 h 16 min
